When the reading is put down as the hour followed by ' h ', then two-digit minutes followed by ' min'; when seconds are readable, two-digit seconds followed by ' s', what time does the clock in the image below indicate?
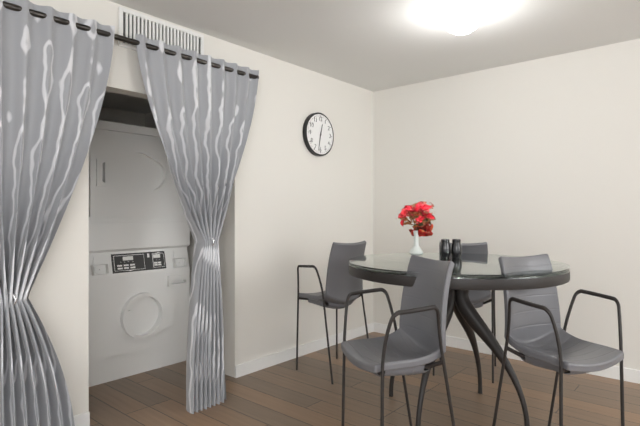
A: 12 h 32 min
